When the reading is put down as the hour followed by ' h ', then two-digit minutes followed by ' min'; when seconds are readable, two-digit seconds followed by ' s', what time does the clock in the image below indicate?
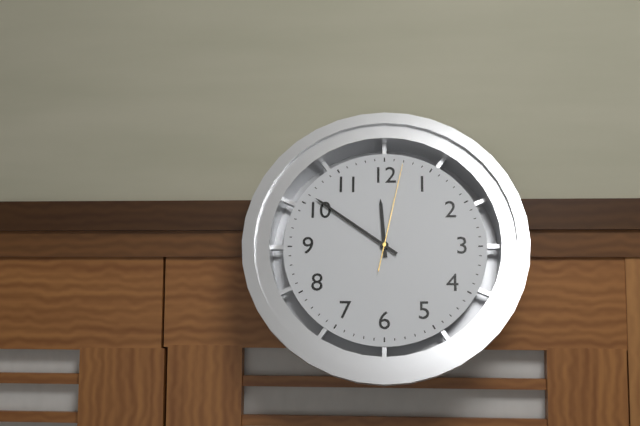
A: 11 h 51 min 02 s
